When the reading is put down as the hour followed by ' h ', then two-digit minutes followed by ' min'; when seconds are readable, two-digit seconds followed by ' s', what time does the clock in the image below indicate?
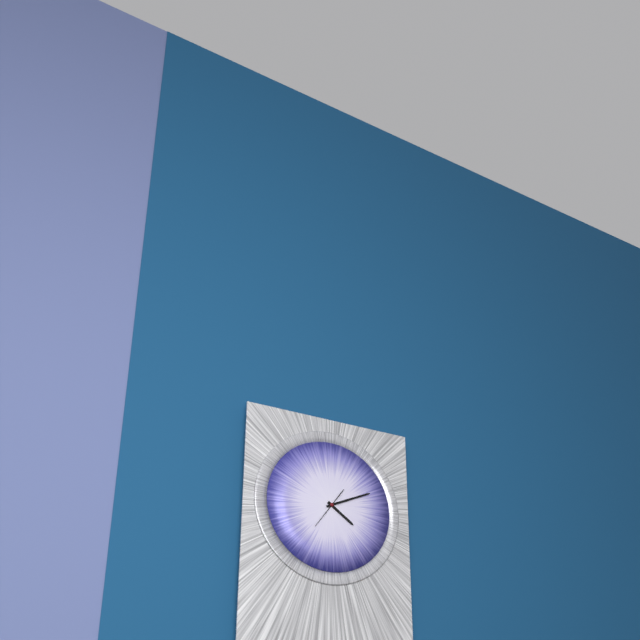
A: 4 h 11 min
